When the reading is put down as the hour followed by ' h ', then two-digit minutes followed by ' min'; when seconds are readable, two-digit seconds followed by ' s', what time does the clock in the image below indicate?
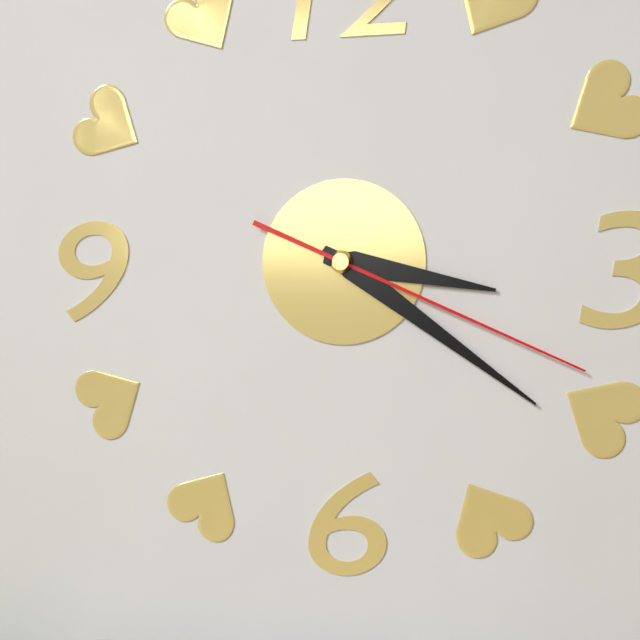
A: 3 h 21 min 19 s
